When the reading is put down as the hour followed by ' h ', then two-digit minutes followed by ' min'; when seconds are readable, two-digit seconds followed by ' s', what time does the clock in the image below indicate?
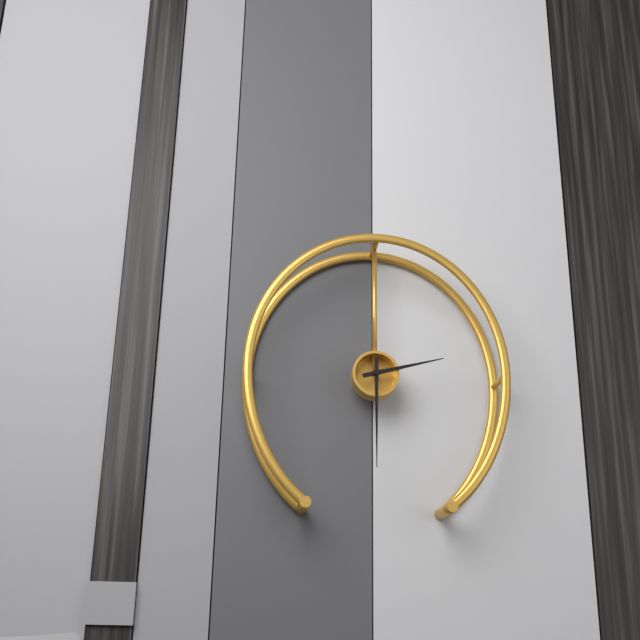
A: 2 h 30 min
